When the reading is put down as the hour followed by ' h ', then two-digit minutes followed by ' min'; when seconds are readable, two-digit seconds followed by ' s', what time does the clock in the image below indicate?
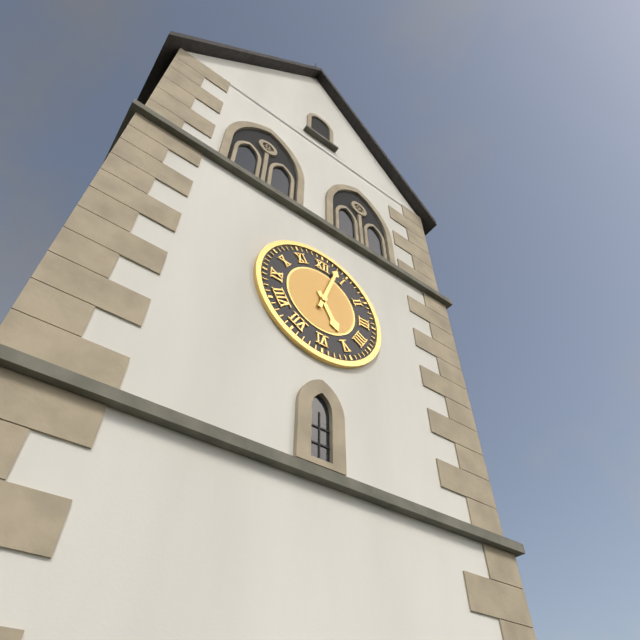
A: 5 h 03 min
